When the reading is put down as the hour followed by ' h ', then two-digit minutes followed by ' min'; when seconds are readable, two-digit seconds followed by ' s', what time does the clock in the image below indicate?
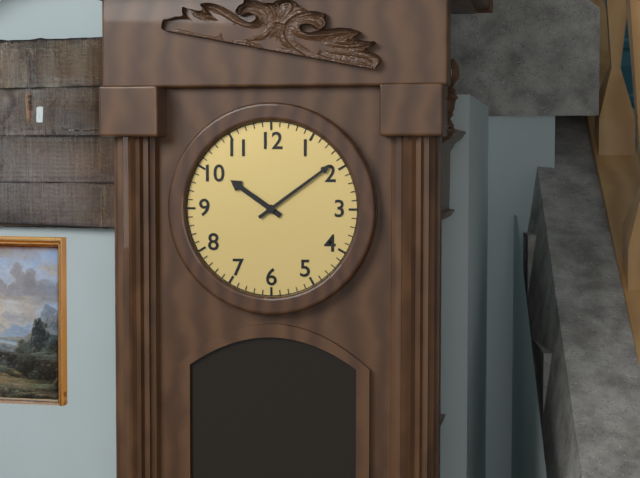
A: 10 h 09 min
